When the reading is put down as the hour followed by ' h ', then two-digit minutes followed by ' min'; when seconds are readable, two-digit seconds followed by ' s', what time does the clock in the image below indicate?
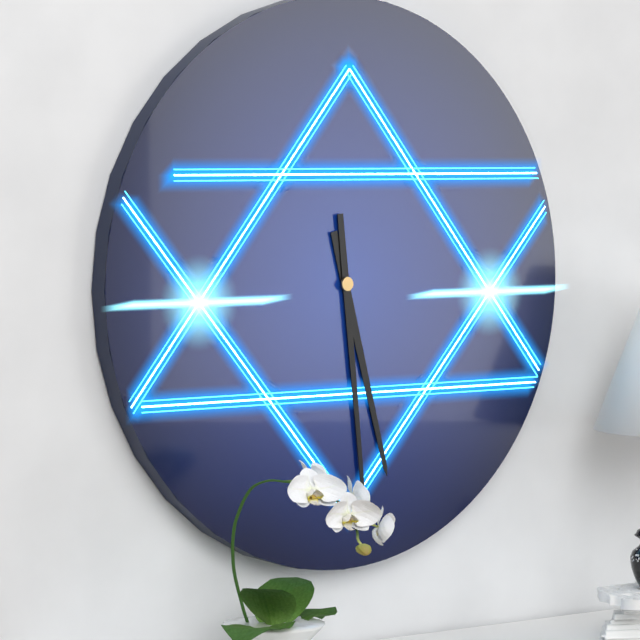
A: 5 h 29 min
